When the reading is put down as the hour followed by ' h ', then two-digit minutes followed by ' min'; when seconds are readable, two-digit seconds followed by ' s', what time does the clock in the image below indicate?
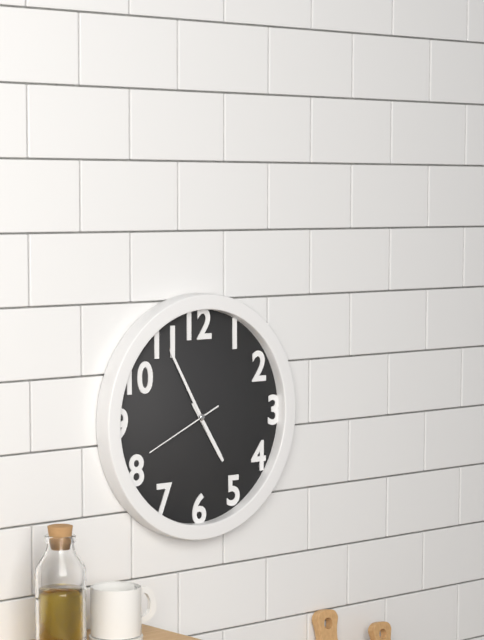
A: 4 h 55 min 41 s
